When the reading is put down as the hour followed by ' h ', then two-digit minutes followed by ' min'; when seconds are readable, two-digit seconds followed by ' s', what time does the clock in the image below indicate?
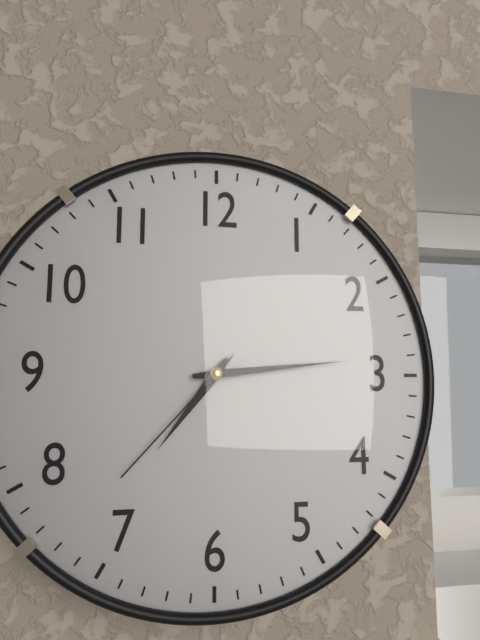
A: 7 h 14 min 37 s
